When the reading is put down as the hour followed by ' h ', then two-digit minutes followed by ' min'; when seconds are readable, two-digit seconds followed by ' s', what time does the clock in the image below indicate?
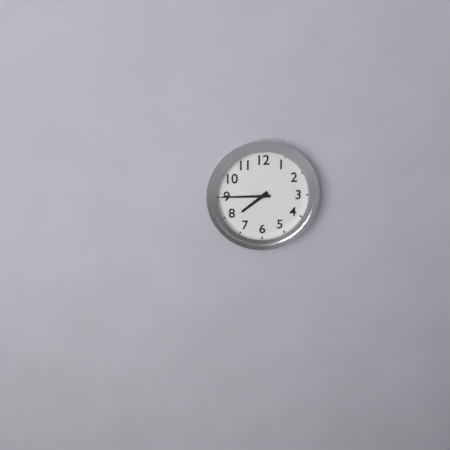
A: 7 h 45 min
